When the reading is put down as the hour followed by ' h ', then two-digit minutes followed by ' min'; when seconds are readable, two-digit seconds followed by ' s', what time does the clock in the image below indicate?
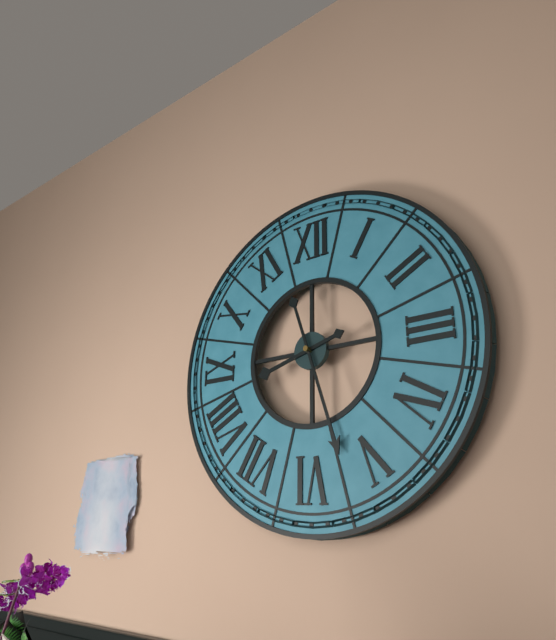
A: 8 h 27 min
